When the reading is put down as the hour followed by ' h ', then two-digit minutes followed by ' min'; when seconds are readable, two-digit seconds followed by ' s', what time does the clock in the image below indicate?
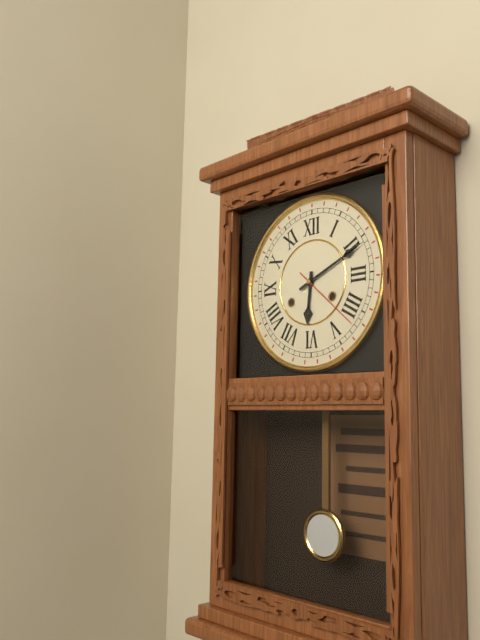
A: 6 h 11 min 22 s
